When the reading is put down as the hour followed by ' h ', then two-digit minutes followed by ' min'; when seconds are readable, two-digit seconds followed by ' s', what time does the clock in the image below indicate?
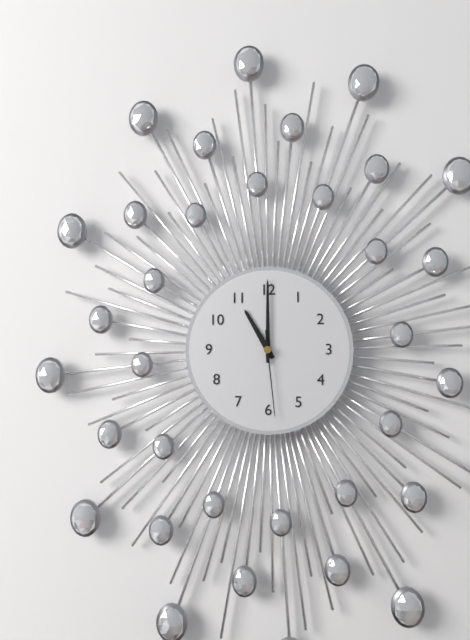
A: 11 h 00 min 29 s
